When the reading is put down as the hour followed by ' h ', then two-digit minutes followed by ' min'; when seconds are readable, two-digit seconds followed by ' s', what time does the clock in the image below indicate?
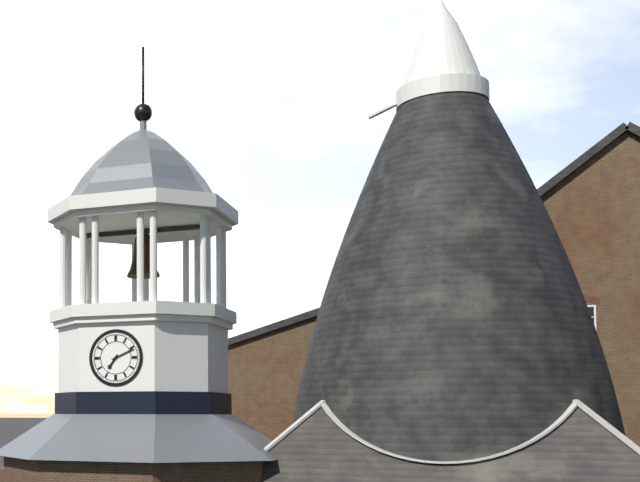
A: 7 h 11 min
